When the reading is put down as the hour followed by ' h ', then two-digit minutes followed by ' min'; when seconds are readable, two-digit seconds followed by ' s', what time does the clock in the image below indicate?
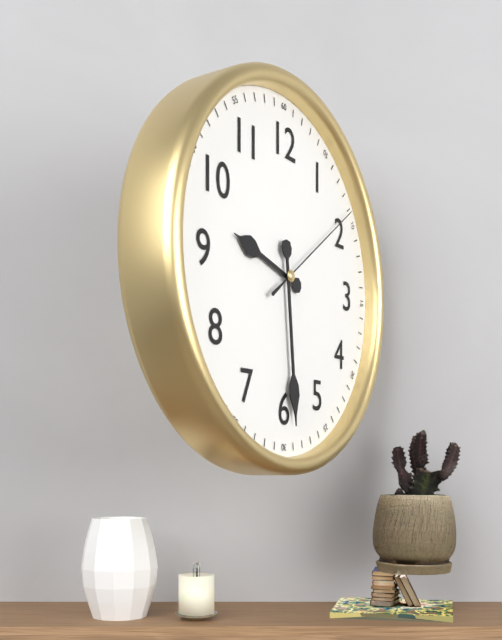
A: 9 h 29 min 09 s
